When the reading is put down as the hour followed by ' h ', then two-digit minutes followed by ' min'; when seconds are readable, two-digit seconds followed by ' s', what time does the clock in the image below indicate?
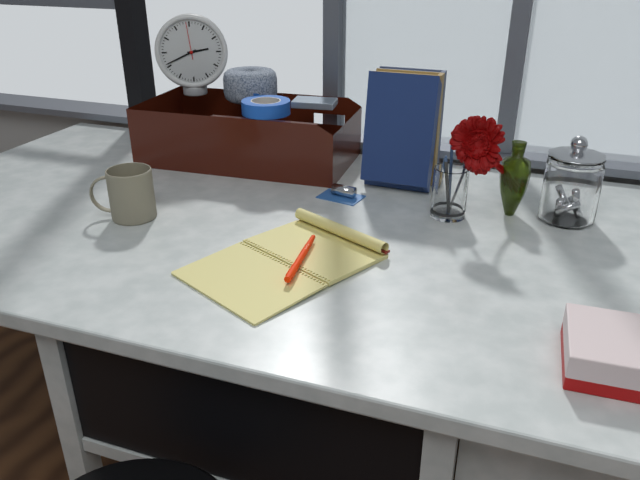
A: 2 h 41 min
